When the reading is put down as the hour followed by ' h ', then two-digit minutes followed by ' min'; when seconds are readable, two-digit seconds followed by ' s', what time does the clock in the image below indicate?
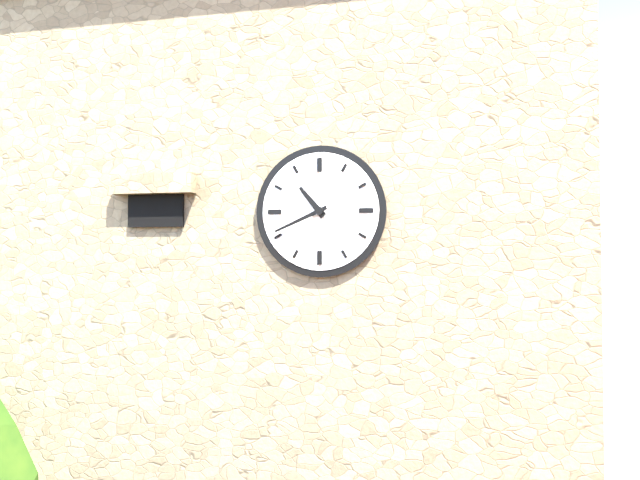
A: 10 h 41 min
